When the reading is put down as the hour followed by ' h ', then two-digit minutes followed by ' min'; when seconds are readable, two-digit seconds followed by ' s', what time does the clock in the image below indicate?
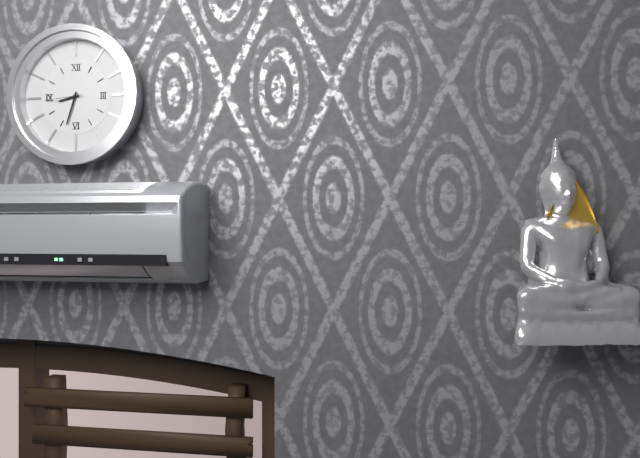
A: 8 h 33 min
